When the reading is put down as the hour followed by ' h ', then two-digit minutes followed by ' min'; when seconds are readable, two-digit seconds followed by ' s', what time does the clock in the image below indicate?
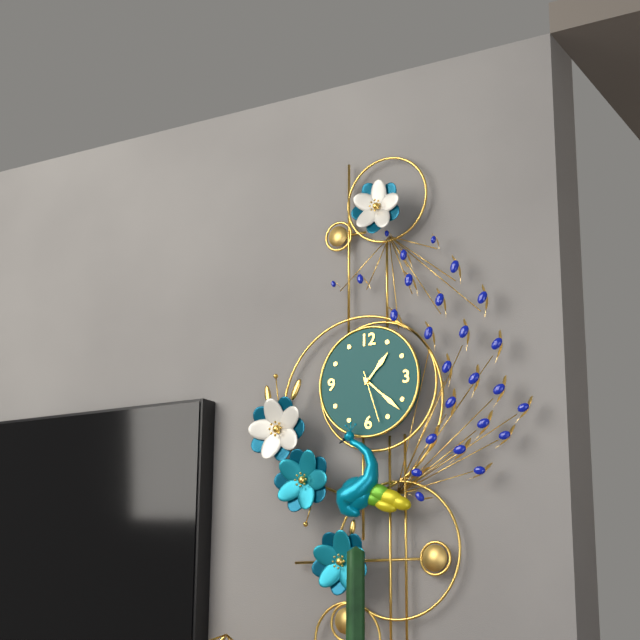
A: 1 h 22 min 27 s
